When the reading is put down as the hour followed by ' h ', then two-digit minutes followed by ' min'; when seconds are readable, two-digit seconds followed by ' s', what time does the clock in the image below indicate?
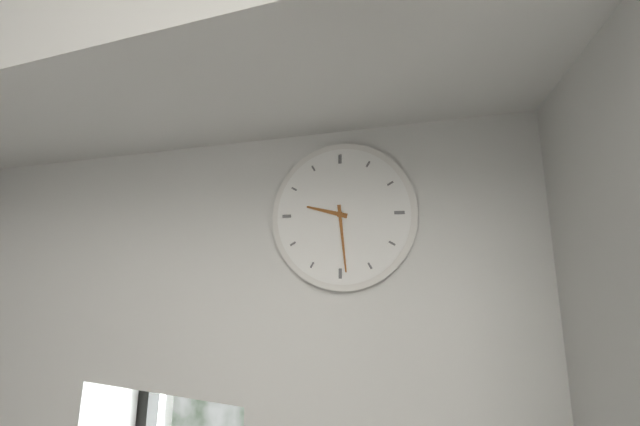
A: 9 h 29 min
